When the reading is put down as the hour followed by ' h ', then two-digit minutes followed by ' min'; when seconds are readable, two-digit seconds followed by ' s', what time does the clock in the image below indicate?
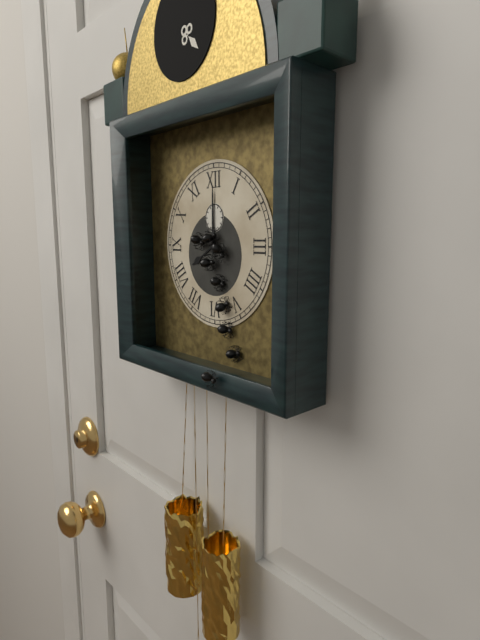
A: 8 h 00 min
